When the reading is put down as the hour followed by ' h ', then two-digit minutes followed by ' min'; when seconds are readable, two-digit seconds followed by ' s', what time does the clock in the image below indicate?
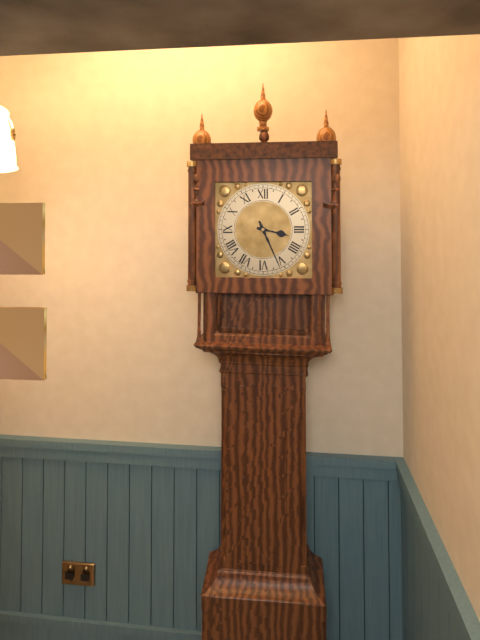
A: 3 h 26 min
